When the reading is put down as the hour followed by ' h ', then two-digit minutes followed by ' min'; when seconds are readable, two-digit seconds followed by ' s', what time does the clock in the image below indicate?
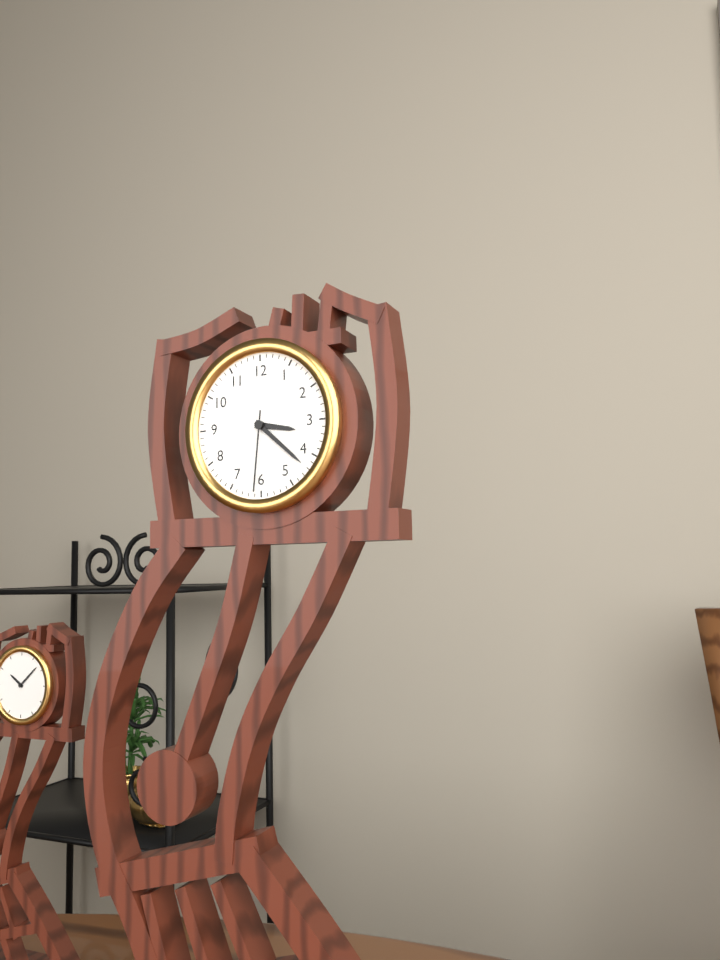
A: 3 h 22 min 31 s
